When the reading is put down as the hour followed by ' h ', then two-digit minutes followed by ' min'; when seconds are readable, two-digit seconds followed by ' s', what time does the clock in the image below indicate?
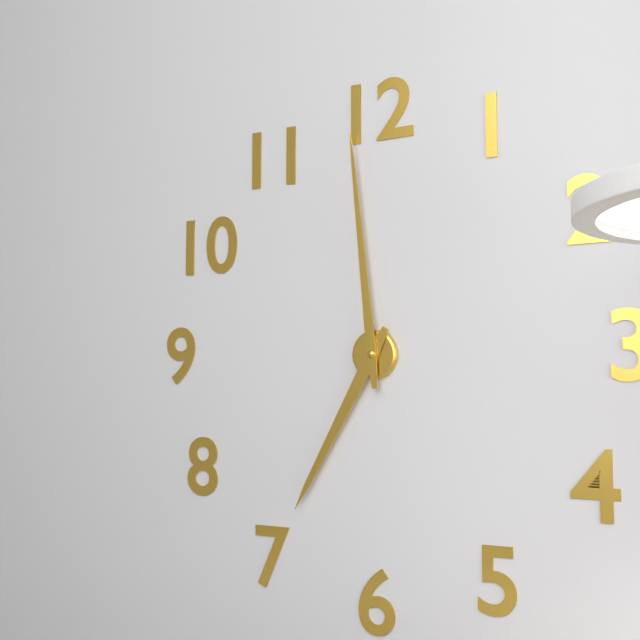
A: 6 h 59 min
